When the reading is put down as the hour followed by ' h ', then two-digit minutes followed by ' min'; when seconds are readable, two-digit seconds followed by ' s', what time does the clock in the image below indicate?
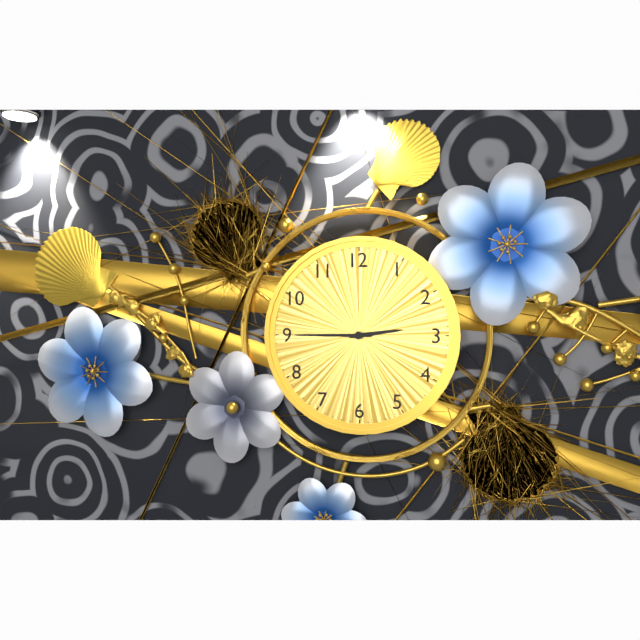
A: 2 h 45 min
